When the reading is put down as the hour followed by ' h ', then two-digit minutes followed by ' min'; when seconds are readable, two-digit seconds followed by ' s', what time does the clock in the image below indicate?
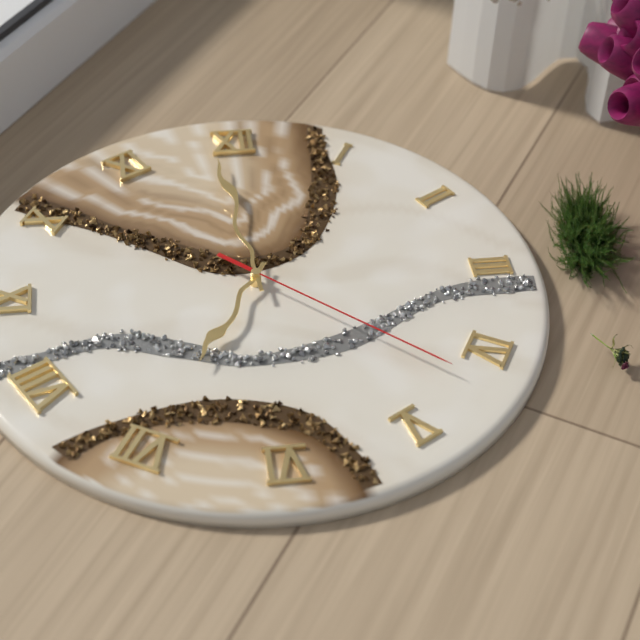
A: 6 h 59 min 22 s
